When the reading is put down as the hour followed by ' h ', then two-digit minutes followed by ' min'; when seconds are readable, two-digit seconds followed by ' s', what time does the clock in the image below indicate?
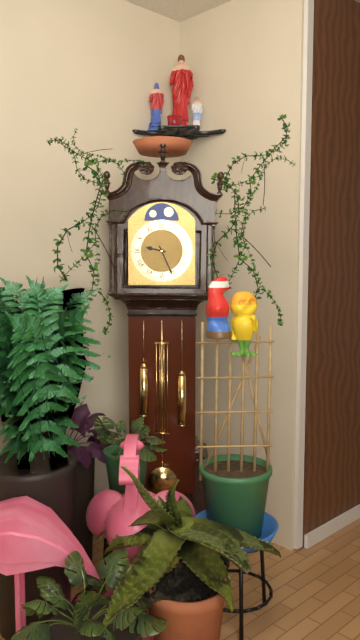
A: 9 h 26 min
